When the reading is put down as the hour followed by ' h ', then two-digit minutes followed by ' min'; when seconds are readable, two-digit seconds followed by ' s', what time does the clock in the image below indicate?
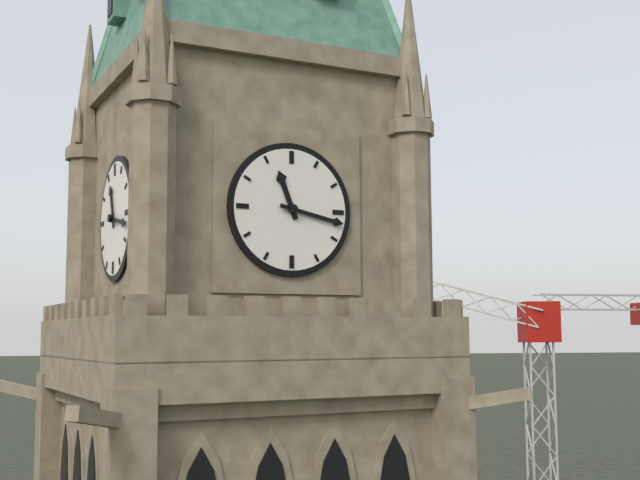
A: 11 h 17 min
